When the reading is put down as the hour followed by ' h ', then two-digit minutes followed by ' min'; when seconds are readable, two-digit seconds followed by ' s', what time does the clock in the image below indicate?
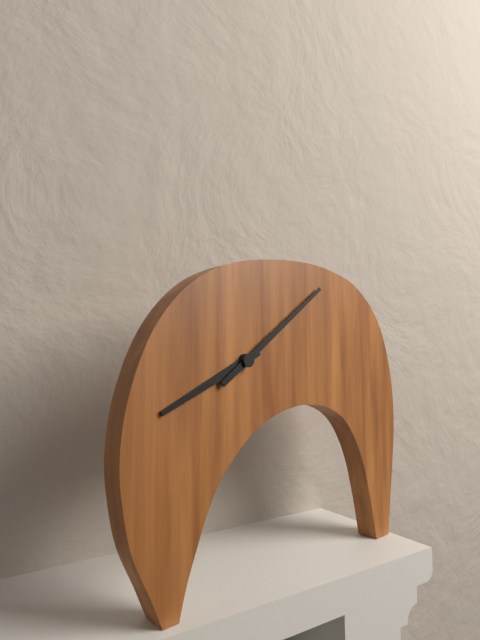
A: 8 h 09 min
